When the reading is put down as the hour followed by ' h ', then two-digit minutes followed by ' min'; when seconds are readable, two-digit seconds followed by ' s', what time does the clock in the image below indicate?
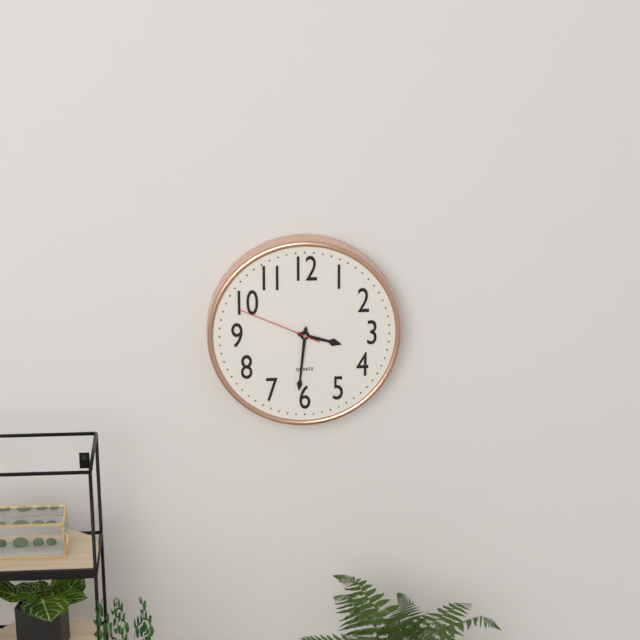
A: 3 h 31 min 49 s
